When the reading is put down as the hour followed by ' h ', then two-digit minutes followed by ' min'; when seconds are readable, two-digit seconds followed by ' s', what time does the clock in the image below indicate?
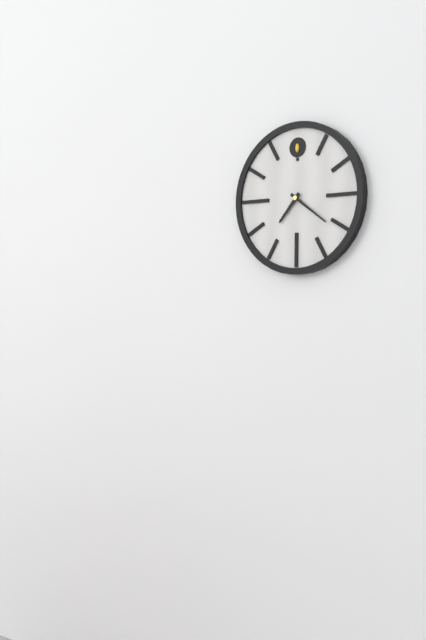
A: 7 h 21 min
